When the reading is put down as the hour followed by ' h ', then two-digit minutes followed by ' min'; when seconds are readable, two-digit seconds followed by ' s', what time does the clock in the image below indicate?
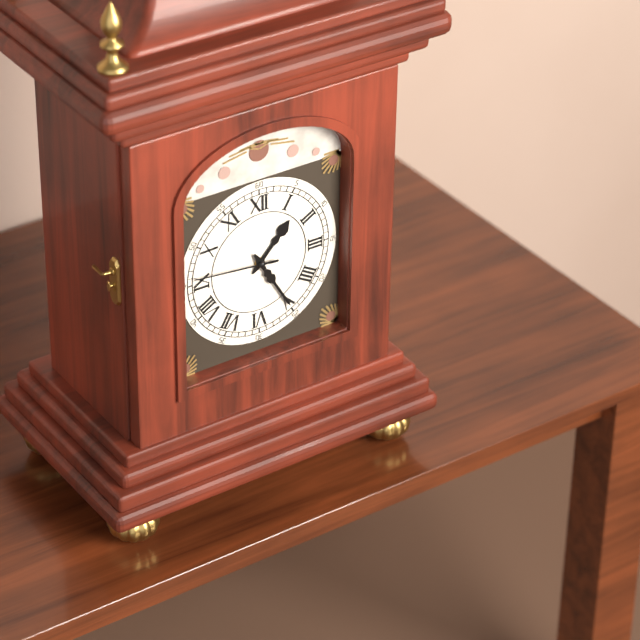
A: 1 h 25 min 46 s
